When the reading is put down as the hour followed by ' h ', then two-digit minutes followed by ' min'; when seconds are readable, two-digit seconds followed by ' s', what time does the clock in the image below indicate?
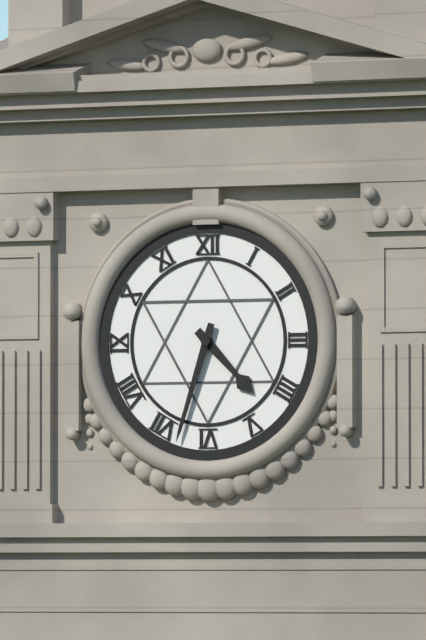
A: 4 h 33 min
